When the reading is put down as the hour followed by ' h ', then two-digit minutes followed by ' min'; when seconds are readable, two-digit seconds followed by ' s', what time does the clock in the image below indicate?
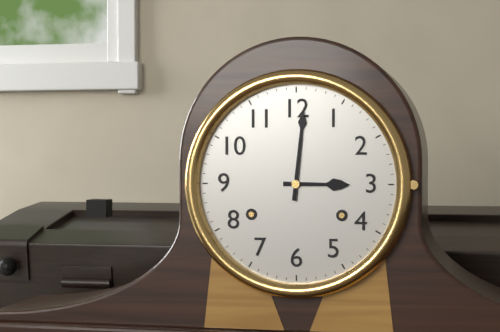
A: 3 h 01 min
